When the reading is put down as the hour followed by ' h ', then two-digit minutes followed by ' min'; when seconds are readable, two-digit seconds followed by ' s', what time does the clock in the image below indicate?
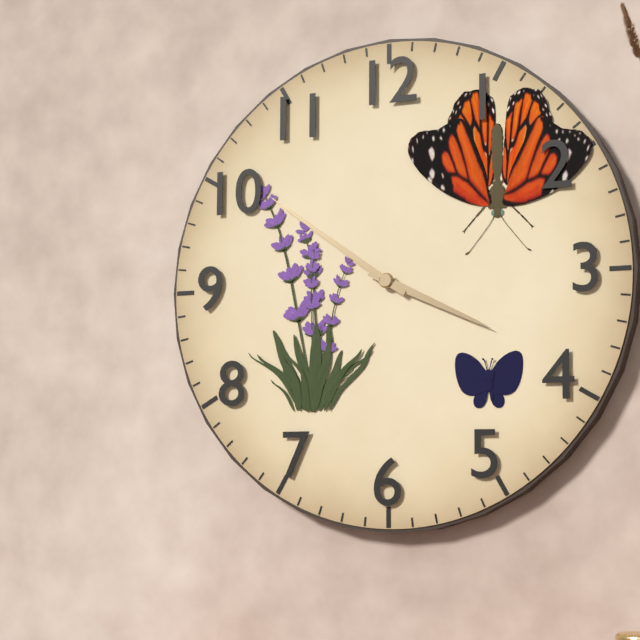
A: 3 h 51 min
